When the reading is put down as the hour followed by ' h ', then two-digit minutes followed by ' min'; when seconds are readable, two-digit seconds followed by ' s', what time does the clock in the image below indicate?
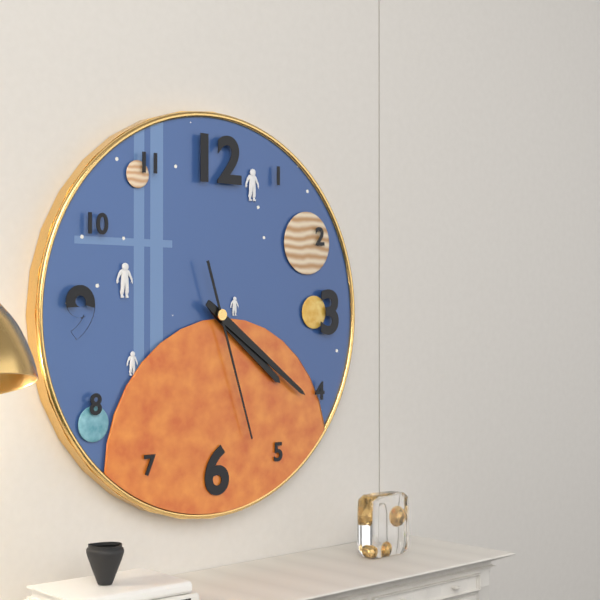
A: 4 h 21 min 27 s
